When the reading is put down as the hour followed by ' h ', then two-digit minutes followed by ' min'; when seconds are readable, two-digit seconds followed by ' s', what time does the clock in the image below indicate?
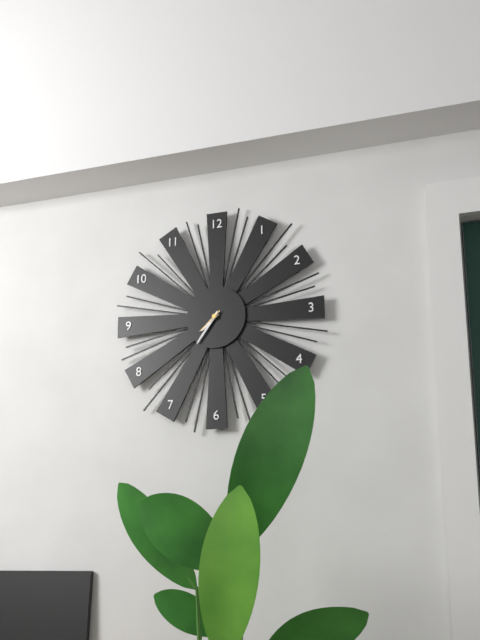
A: 7 h 36 min
